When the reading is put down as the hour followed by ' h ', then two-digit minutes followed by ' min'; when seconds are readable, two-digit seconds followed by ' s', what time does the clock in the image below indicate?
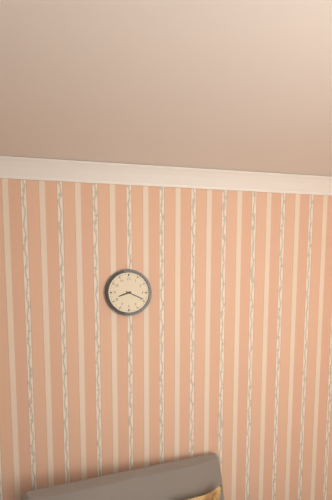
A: 8 h 19 min
